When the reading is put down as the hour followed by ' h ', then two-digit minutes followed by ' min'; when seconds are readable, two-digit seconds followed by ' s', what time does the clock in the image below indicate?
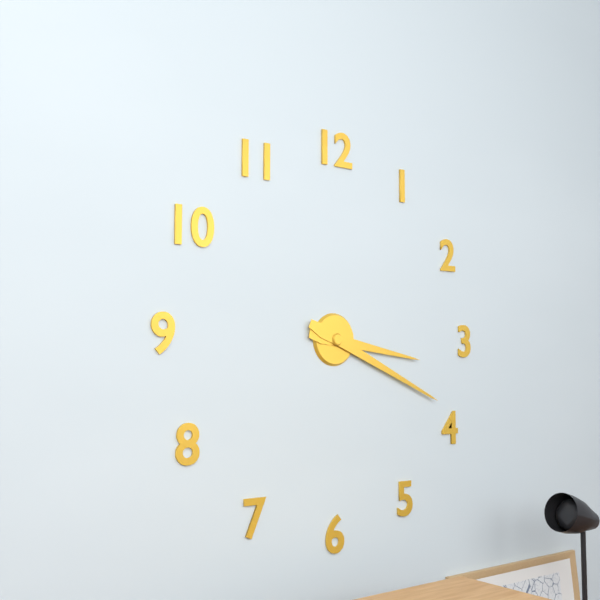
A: 3 h 19 min
